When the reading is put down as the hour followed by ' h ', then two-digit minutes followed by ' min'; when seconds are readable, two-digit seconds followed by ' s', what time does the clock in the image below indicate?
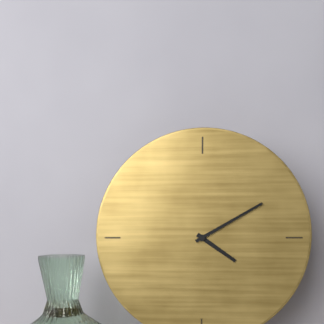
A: 4 h 10 min
